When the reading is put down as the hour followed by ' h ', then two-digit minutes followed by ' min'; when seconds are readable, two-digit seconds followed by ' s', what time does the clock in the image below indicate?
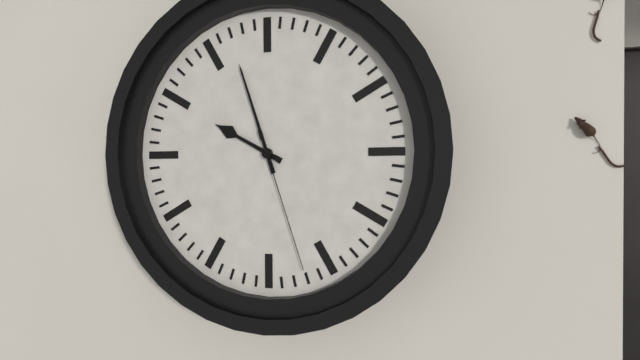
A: 9 h 57 min 27 s
